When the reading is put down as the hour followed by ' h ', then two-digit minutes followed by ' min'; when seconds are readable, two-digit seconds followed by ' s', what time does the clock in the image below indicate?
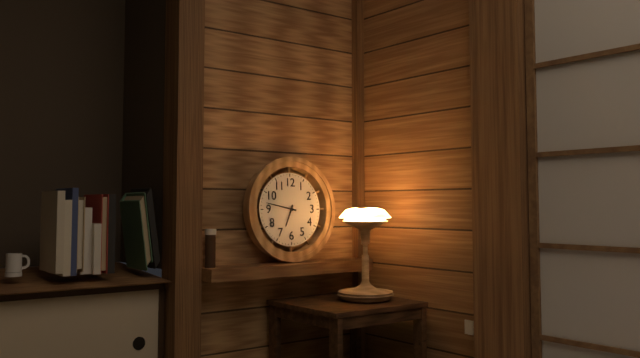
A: 6 h 47 min
